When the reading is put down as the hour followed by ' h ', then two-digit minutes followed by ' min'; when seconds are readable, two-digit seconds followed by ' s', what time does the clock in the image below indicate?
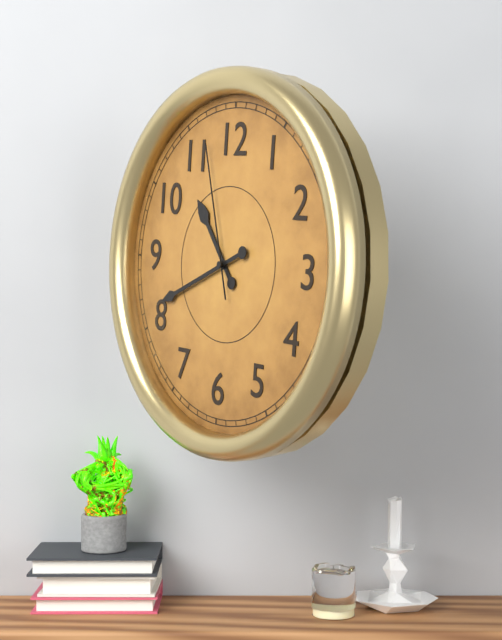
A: 10 h 41 min 57 s
